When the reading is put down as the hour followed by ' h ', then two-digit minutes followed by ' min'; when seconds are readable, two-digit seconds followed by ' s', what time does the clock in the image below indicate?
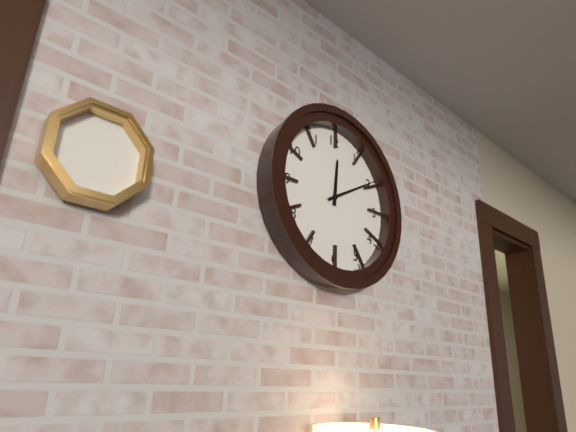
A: 12 h 10 min
